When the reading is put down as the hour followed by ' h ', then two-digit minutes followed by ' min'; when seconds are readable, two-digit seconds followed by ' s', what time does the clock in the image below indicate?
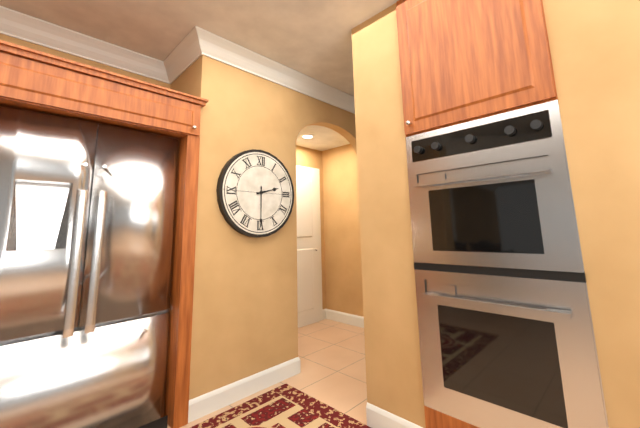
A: 2 h 30 min
